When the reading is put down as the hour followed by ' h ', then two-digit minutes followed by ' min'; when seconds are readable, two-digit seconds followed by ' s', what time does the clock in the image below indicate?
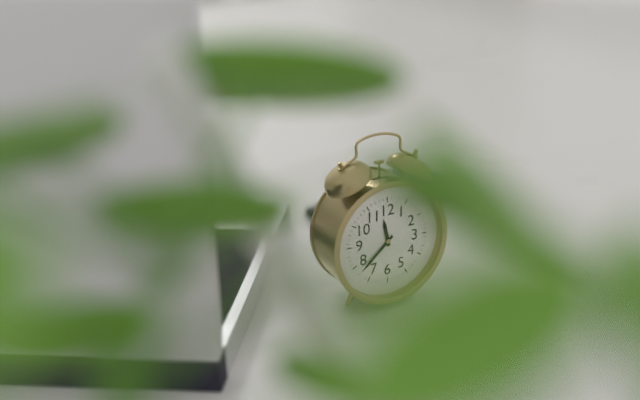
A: 11 h 38 min
